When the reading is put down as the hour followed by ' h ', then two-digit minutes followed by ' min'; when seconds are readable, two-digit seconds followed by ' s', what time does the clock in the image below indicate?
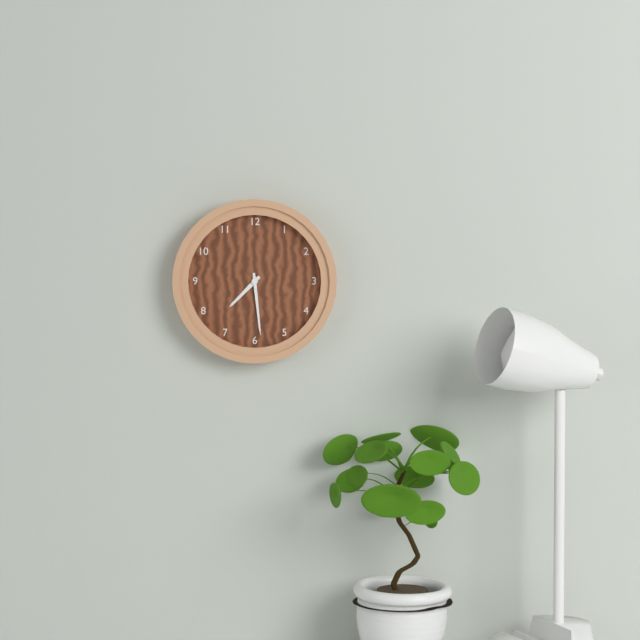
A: 7 h 29 min
